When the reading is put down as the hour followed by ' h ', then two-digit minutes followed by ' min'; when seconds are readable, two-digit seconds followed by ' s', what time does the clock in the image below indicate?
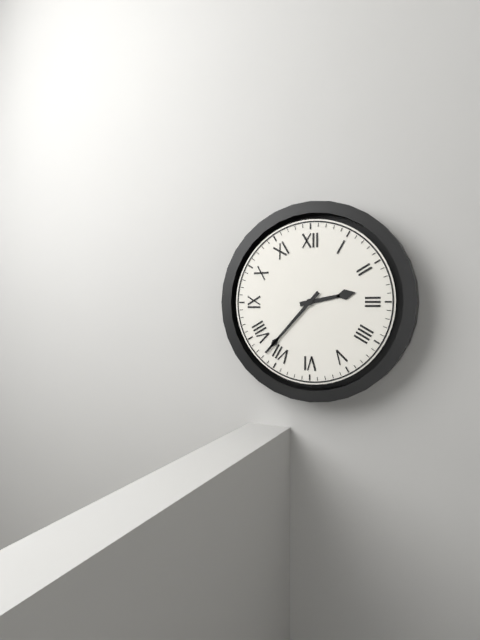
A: 2 h 37 min
